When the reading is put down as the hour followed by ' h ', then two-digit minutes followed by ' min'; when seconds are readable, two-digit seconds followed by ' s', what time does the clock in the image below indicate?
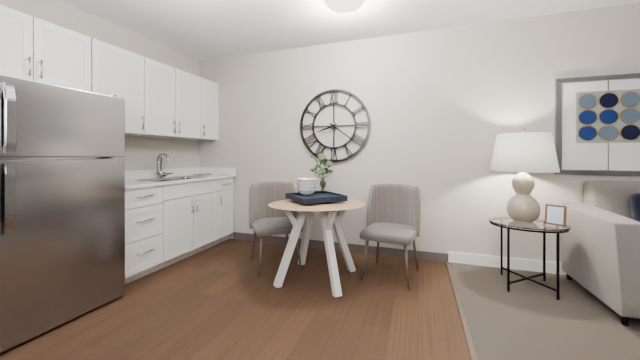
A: 8 h 21 min
